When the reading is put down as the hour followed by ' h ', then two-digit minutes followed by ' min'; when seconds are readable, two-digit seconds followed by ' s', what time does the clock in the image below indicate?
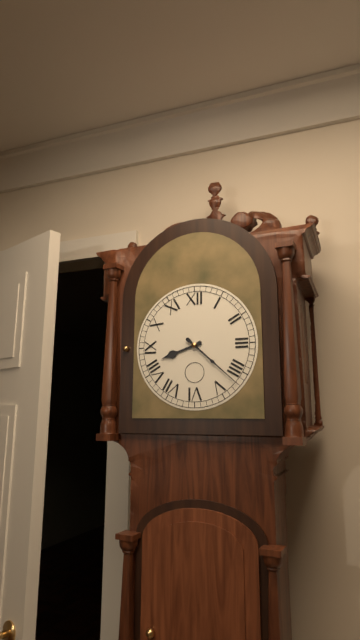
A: 8 h 22 min
